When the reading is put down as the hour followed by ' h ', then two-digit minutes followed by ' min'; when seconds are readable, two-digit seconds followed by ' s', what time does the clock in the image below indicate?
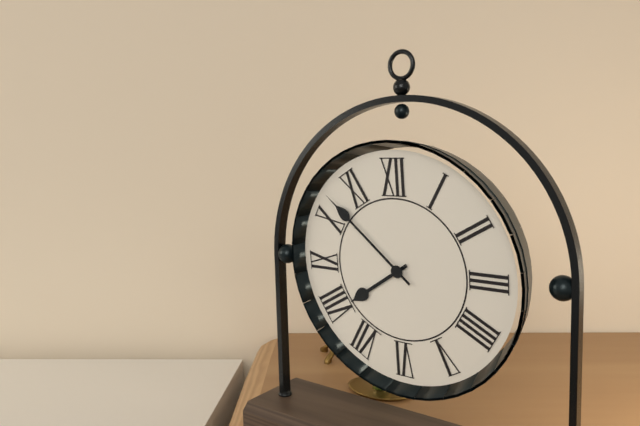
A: 7 h 52 min
